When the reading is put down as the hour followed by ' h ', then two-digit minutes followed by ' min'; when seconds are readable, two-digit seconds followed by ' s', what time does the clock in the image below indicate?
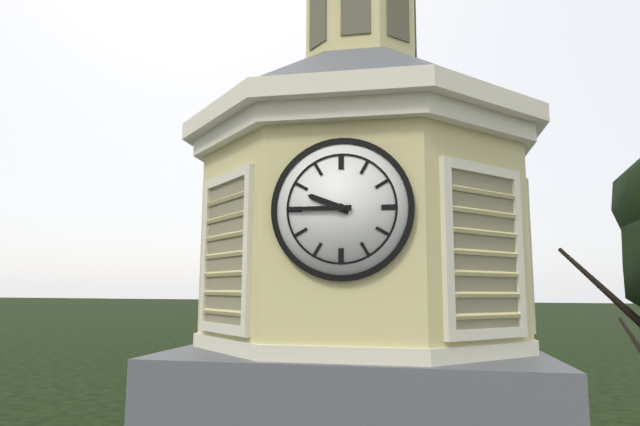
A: 9 h 45 min
